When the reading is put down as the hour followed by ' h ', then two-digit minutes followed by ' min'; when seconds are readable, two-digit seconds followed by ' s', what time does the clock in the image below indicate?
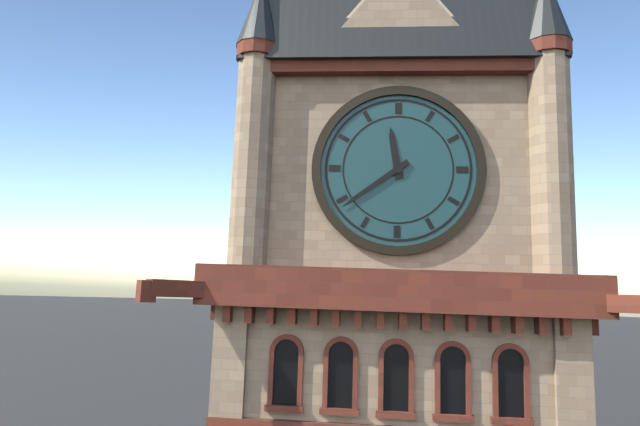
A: 11 h 39 min
